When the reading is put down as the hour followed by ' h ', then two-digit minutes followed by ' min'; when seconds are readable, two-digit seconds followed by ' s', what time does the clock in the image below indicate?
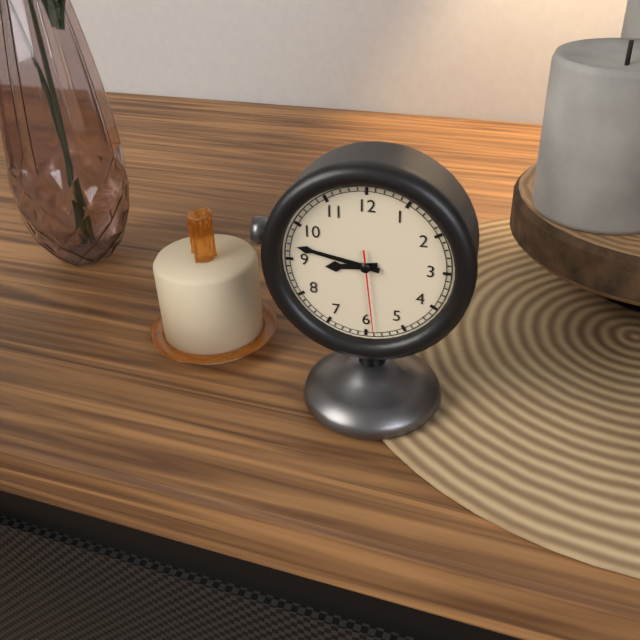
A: 8 h 47 min 29 s
